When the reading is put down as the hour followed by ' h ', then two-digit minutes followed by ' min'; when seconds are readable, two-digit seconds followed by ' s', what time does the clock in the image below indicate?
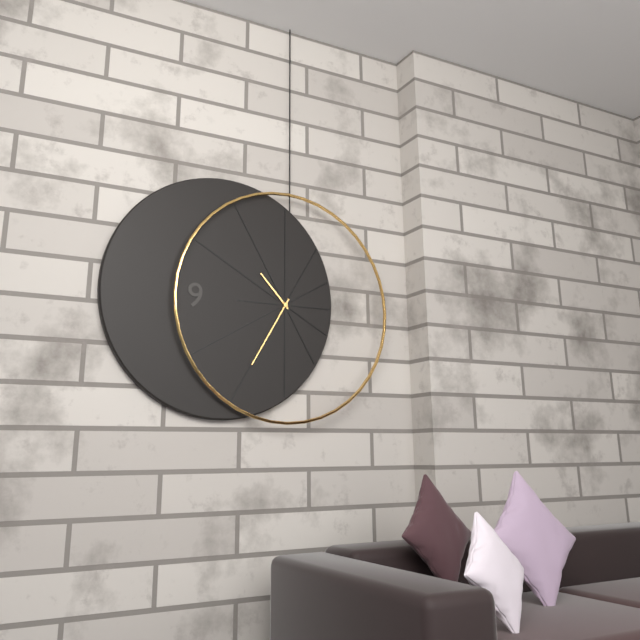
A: 10 h 35 min
